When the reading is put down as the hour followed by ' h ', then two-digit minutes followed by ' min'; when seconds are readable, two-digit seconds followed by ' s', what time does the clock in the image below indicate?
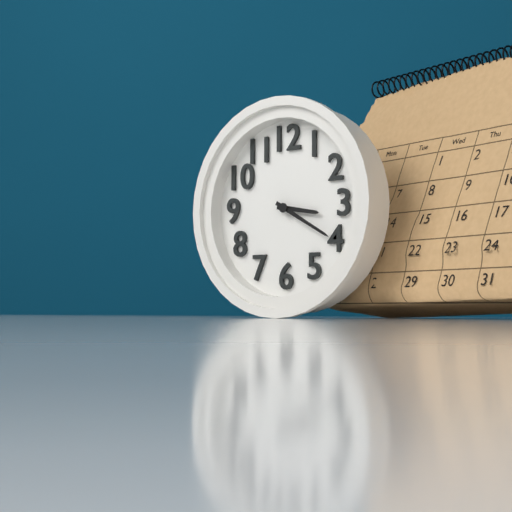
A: 3 h 20 min
